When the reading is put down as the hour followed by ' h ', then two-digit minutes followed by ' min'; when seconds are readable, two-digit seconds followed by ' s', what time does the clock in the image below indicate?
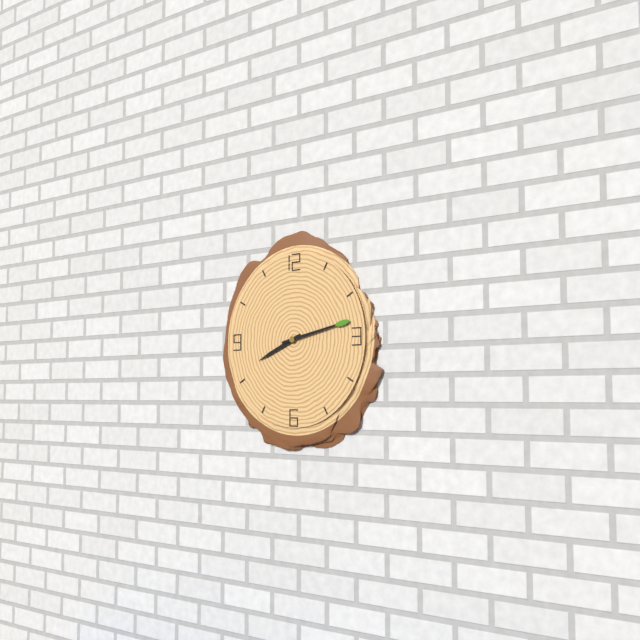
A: 8 h 13 min
